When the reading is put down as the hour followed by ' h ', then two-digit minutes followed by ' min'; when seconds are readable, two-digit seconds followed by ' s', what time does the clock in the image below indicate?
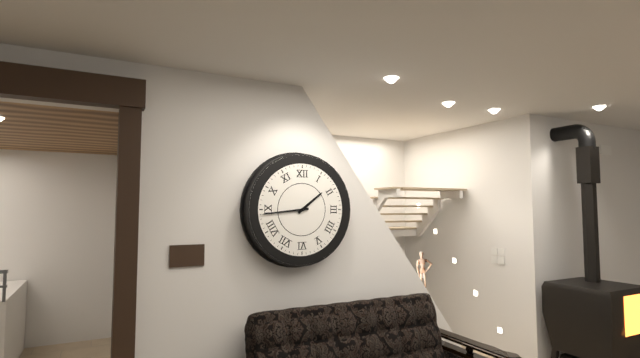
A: 1 h 44 min
